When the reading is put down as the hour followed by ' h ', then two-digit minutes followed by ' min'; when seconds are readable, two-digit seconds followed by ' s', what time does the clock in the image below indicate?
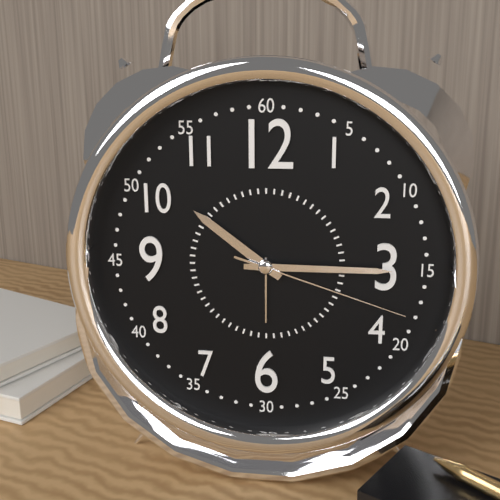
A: 10 h 15 min 18 s
